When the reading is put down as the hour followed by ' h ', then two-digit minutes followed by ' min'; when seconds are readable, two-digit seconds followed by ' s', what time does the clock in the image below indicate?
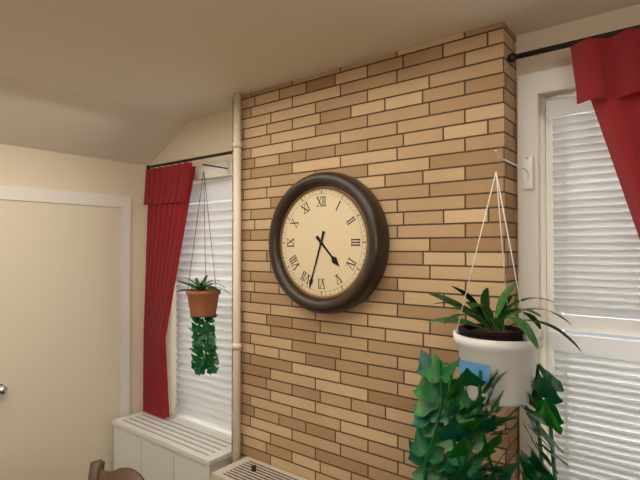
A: 4 h 33 min
